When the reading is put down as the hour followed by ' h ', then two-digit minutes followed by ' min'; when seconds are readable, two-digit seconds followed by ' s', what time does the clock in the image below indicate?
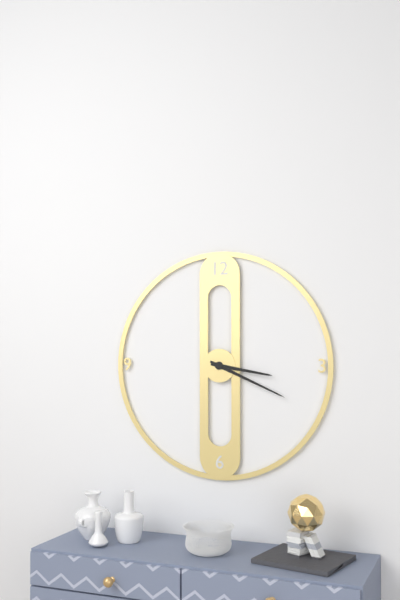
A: 3 h 19 min
